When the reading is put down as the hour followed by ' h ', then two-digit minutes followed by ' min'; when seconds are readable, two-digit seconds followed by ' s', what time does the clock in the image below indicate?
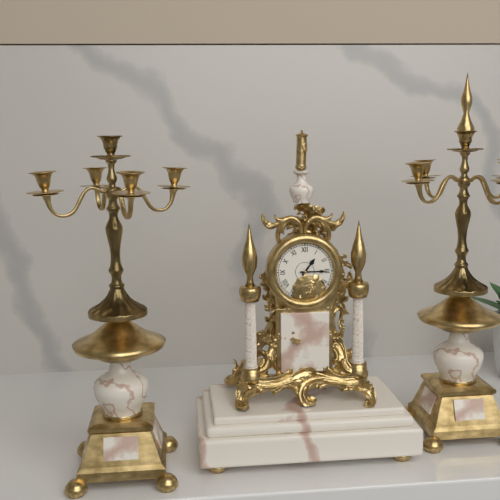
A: 1 h 15 min
